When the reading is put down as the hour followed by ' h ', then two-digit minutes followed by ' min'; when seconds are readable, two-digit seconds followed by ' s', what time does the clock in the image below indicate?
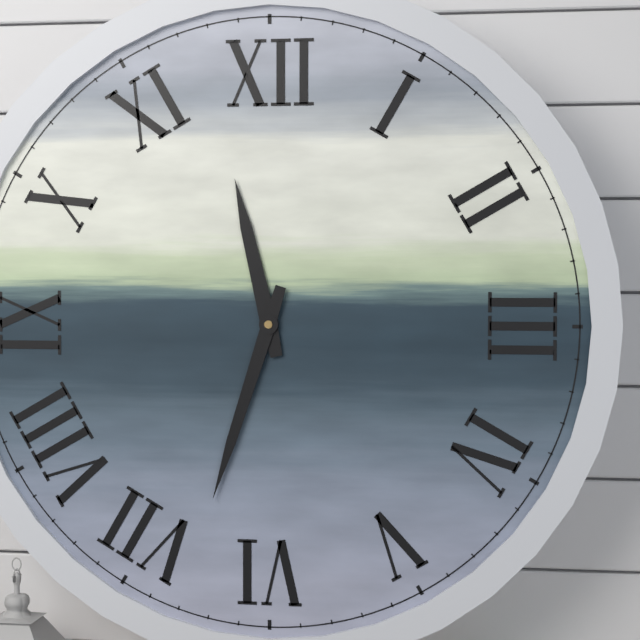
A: 11 h 33 min
